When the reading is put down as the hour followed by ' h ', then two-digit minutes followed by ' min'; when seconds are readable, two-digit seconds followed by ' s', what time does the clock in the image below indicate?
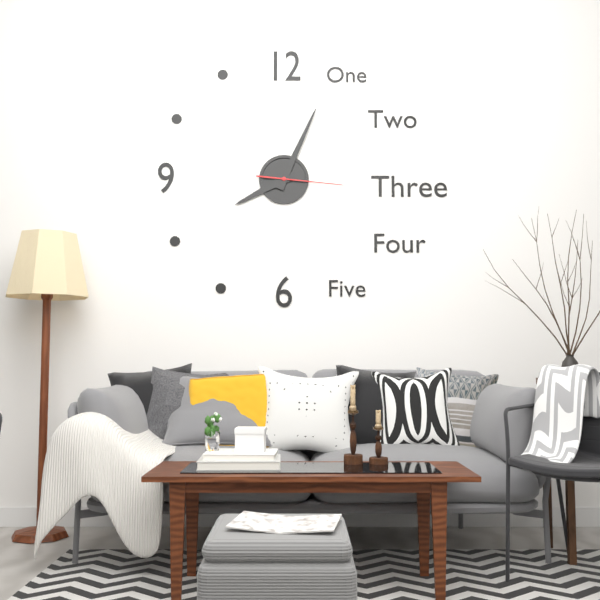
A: 8 h 04 min 16 s
